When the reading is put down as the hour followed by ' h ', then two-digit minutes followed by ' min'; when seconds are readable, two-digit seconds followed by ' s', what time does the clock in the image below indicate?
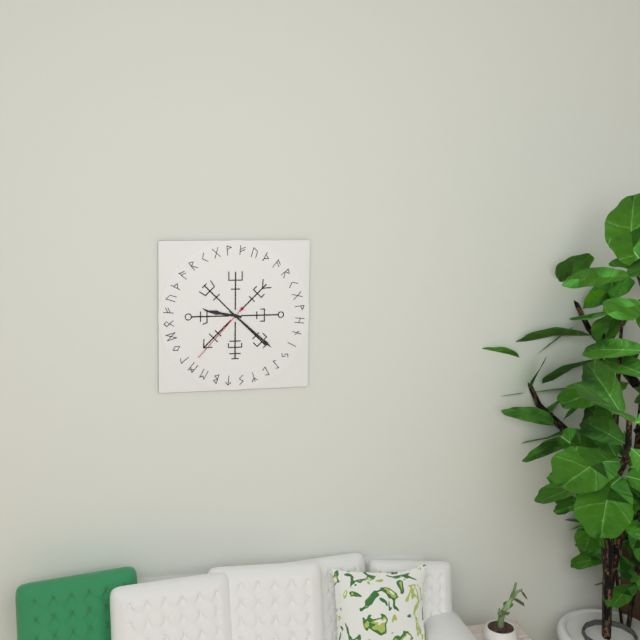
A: 9 h 22 min 37 s
